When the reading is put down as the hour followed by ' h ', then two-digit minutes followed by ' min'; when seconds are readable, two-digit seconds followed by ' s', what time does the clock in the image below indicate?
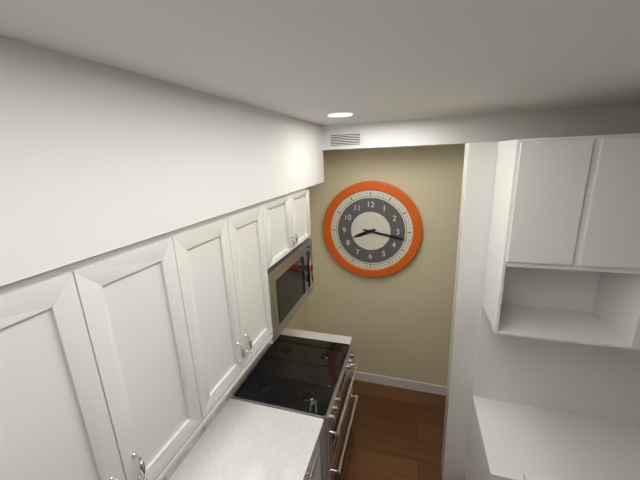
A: 8 h 17 min
